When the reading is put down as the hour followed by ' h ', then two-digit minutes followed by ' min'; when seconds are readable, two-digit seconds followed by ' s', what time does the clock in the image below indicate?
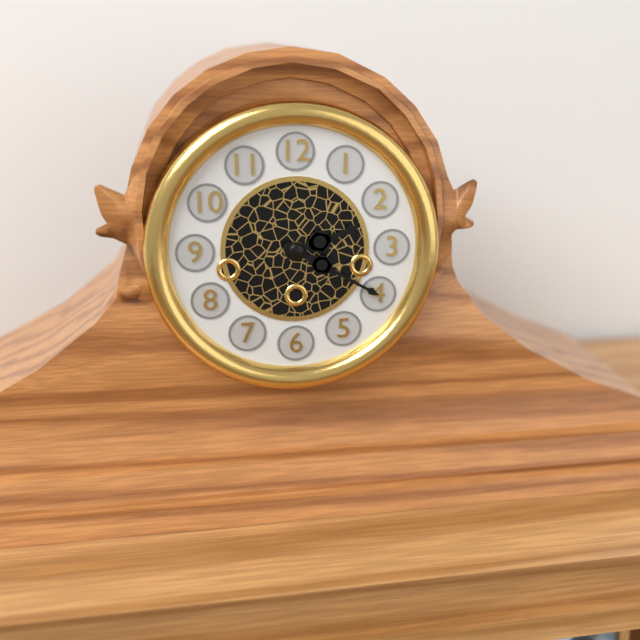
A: 2 h 20 min
